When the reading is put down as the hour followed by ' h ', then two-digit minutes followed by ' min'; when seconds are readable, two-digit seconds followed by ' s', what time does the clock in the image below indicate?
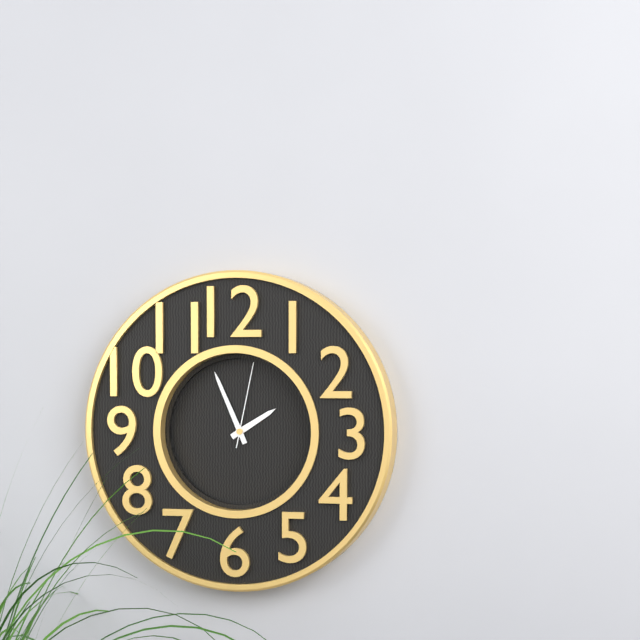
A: 1 h 56 min 02 s
